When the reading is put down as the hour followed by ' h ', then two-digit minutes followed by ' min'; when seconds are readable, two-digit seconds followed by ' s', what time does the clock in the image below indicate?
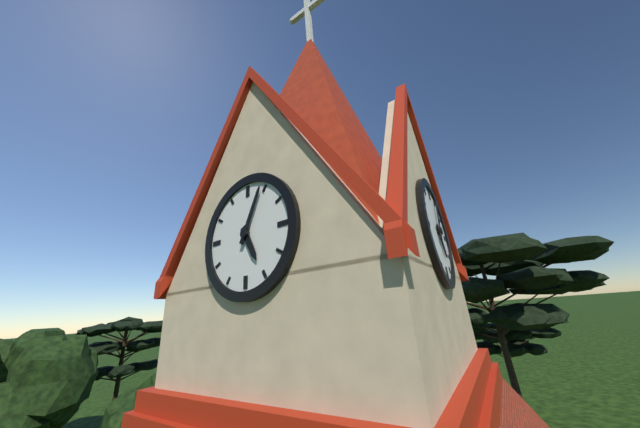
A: 5 h 04 min
